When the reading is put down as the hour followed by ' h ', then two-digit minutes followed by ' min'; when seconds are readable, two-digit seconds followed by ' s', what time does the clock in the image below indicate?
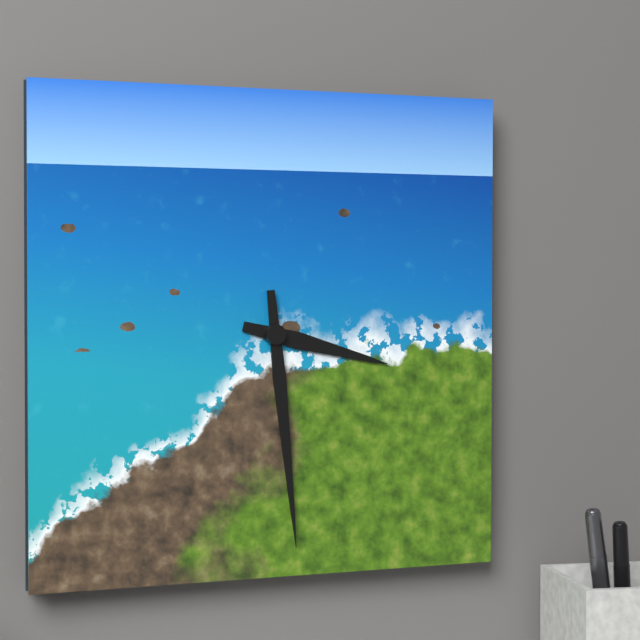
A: 3 h 29 min
